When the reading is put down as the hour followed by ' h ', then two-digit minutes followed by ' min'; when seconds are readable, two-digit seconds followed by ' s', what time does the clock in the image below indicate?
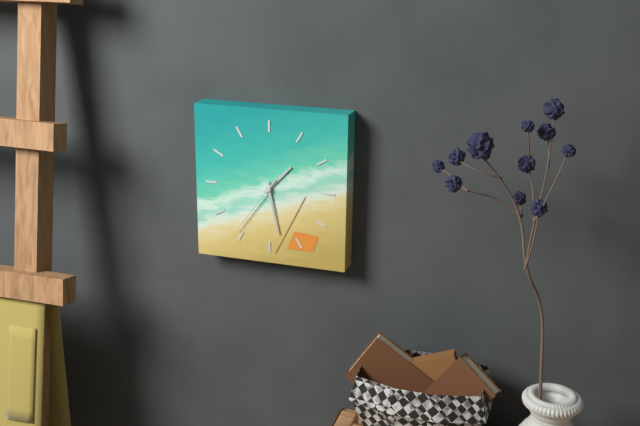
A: 1 h 28 min 36 s
